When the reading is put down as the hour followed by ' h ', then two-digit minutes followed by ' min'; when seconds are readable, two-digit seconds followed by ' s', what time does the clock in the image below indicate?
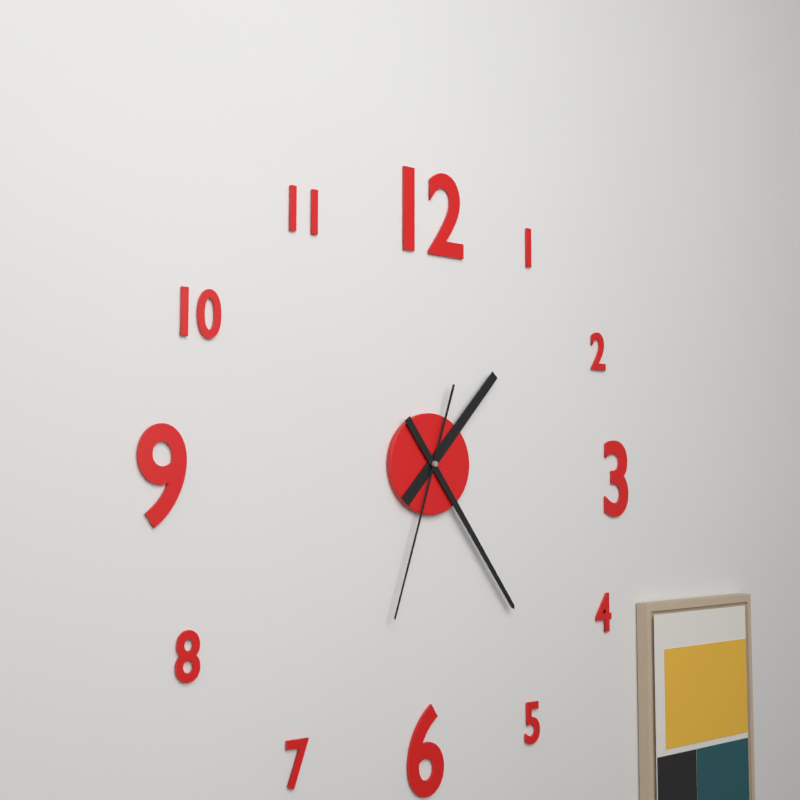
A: 1 h 24 min 33 s
